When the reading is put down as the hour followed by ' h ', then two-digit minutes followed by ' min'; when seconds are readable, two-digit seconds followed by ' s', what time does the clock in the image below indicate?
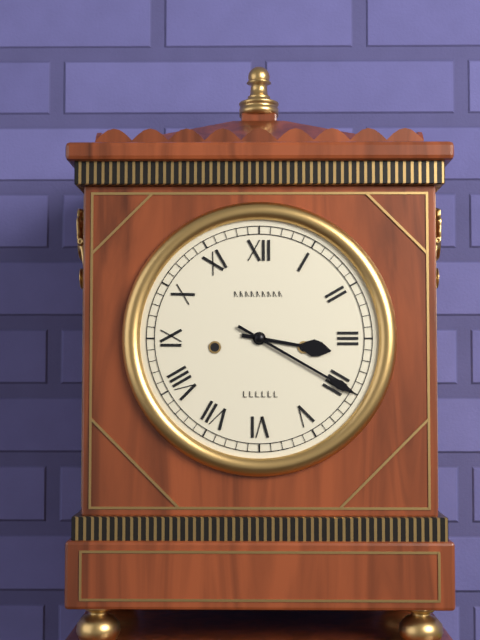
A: 3 h 20 min
